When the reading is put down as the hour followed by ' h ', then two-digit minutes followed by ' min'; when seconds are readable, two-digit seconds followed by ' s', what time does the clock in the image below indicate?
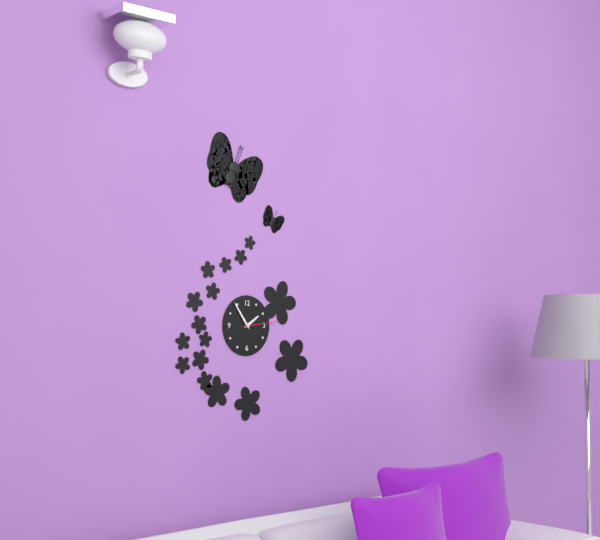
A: 1 h 54 min
